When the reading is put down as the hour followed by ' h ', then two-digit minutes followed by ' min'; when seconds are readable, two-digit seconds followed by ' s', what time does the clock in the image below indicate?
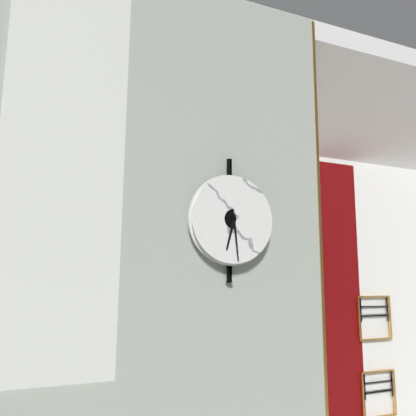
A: 6 h 29 min
